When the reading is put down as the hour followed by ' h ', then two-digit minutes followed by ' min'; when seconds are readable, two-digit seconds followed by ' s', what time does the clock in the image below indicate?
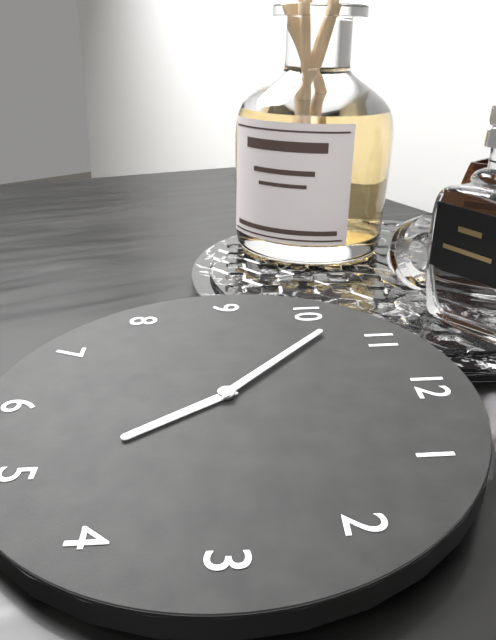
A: 4 h 52 min
